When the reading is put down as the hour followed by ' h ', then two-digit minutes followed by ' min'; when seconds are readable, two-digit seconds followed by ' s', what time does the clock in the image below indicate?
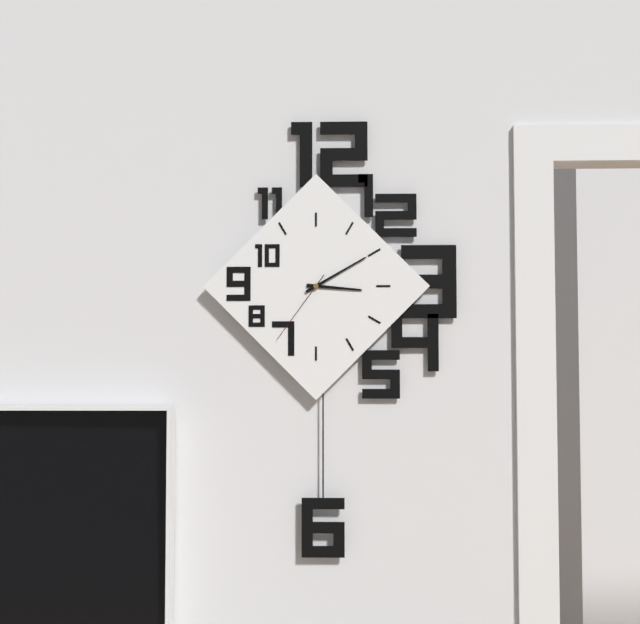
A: 3 h 10 min 36 s
